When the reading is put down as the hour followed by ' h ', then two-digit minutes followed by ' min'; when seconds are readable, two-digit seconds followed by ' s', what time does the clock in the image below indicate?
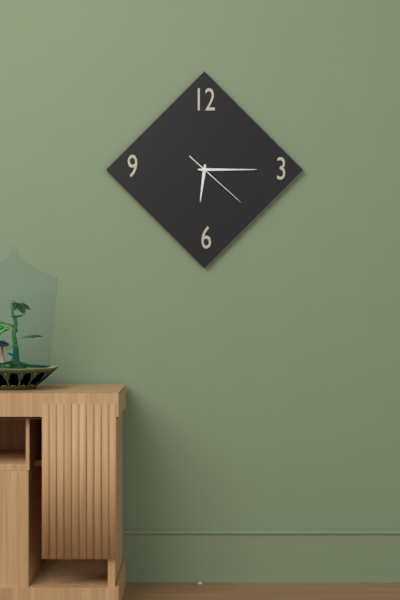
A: 6 h 15 min 22 s
